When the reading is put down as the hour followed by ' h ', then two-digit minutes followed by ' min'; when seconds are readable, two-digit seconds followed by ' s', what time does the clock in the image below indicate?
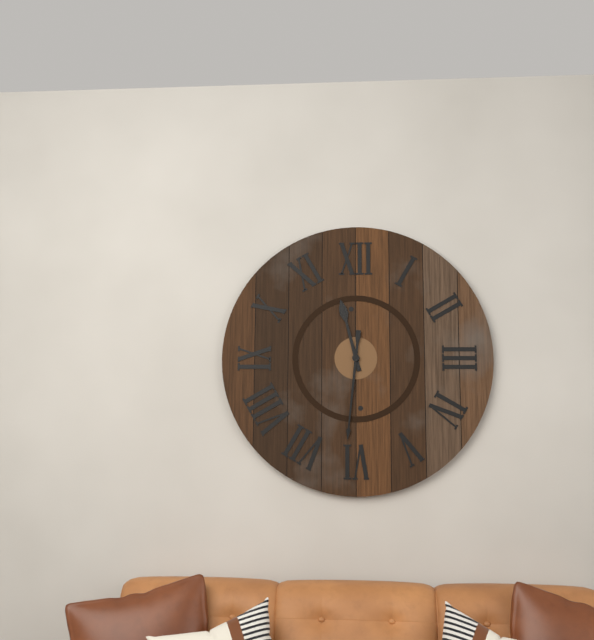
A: 11 h 31 min
